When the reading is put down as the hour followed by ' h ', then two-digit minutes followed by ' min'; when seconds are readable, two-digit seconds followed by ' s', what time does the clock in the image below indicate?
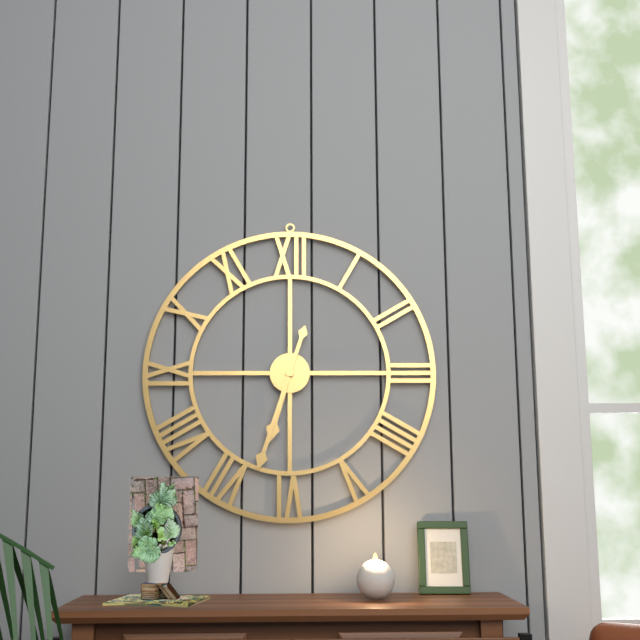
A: 6 h 33 min
